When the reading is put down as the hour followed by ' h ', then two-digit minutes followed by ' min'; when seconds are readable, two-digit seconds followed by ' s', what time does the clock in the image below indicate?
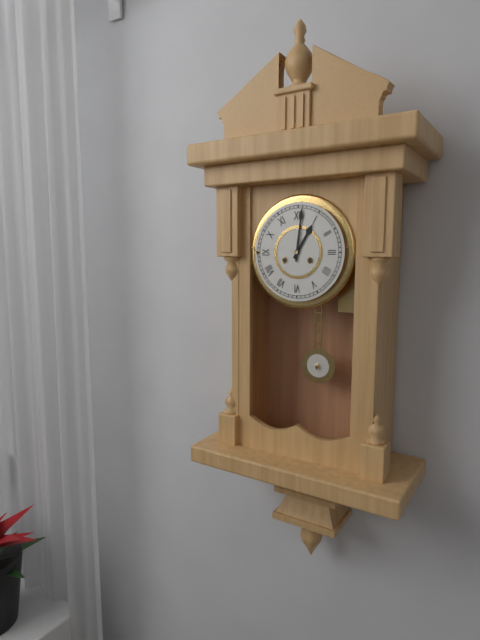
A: 1 h 01 min
